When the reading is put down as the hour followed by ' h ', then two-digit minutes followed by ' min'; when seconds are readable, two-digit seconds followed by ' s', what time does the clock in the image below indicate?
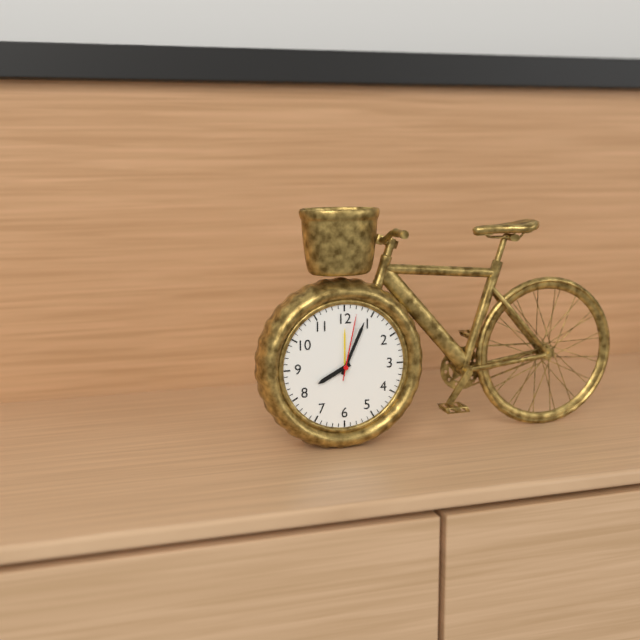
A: 8 h 04 min 02 s
